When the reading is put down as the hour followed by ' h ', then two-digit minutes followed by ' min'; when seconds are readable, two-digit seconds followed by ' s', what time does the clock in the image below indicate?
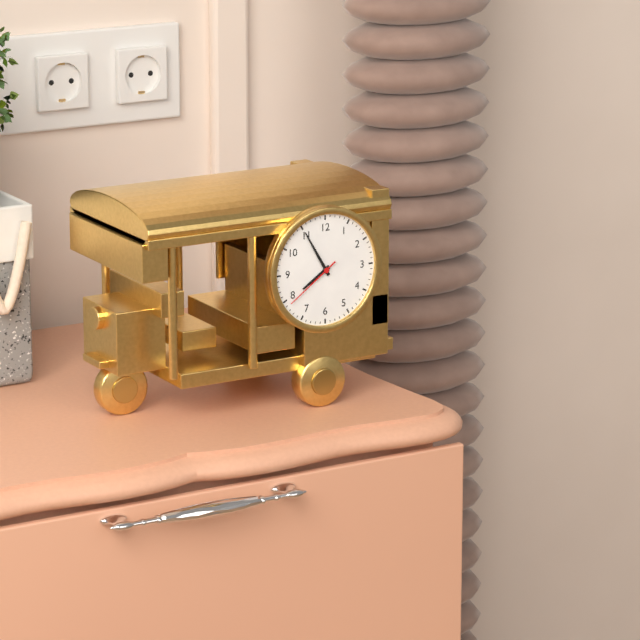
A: 7 h 55 min 39 s
